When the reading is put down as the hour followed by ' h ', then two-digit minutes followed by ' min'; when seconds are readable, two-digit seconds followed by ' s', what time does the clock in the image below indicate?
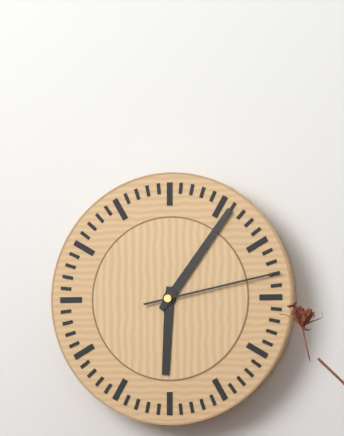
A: 6 h 06 min 13 s
